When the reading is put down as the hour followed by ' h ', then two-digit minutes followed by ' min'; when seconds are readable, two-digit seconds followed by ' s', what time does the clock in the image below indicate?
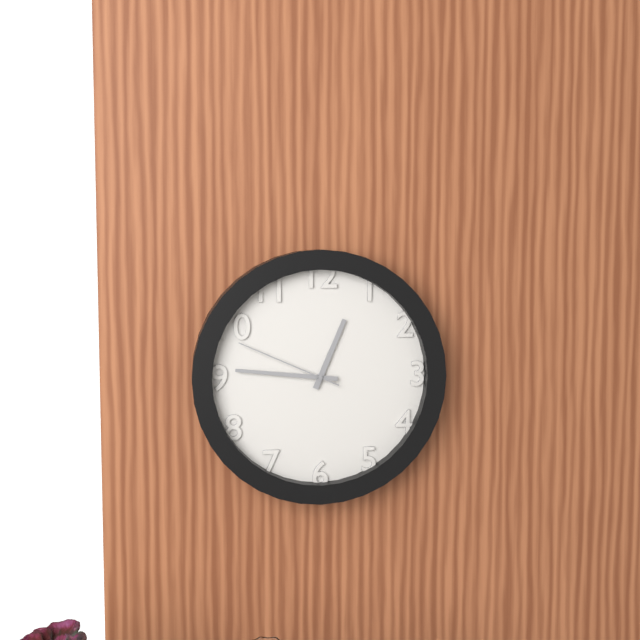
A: 12 h 46 min 49 s
